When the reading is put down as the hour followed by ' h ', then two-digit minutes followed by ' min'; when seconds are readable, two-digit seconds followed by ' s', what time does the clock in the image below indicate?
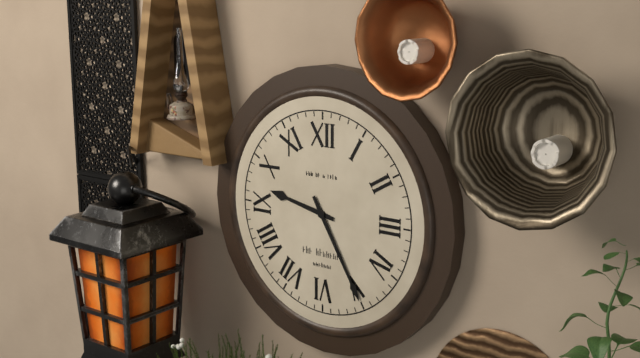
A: 9 h 25 min
